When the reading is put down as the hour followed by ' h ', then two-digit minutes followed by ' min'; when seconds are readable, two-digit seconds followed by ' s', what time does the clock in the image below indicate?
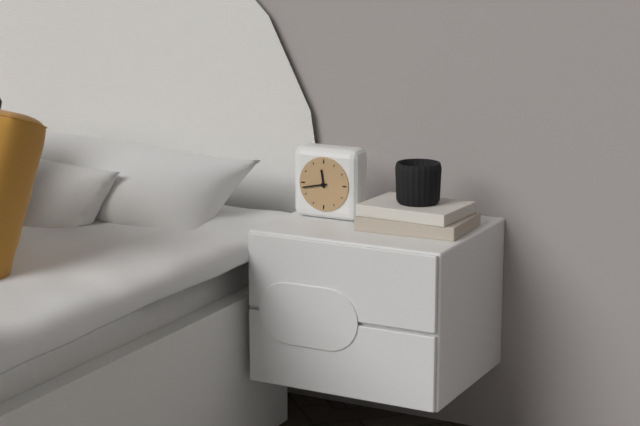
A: 11 h 43 min
